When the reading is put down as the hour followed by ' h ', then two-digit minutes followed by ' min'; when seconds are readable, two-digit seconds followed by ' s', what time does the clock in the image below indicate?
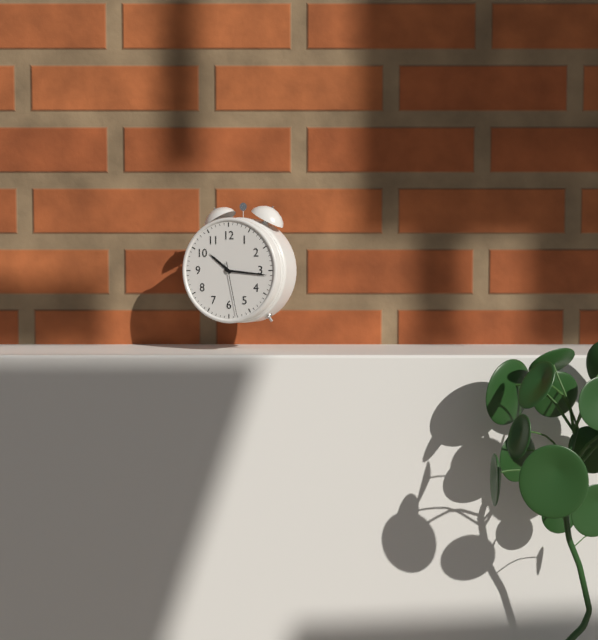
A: 10 h 16 min 28 s
